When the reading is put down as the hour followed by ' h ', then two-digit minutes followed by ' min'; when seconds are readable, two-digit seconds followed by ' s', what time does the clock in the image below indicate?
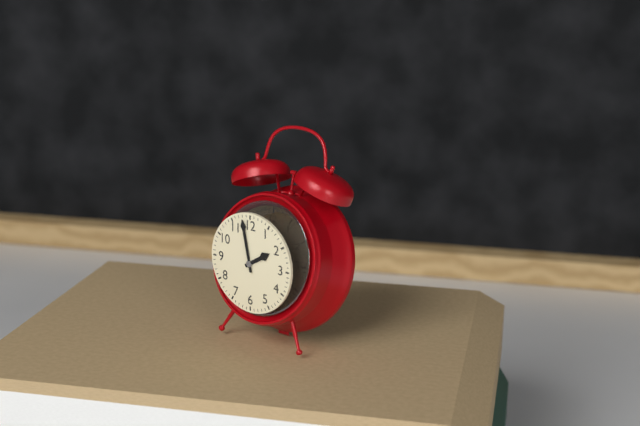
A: 1 h 58 min
